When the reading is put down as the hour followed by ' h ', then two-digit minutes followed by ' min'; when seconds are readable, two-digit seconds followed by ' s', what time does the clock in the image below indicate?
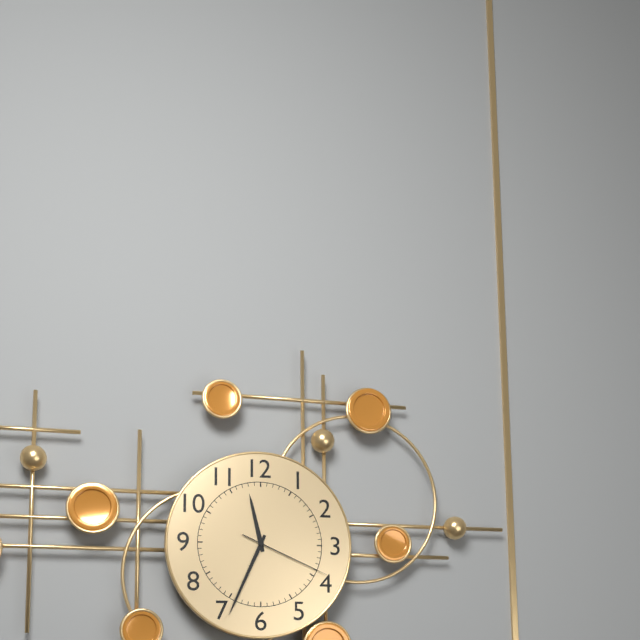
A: 11 h 34 min 19 s
